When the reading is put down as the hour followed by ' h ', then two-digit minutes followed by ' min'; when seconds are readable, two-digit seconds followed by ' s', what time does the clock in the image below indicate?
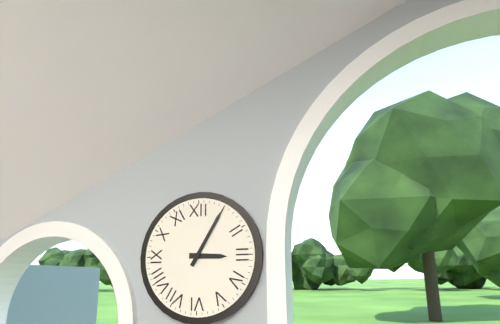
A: 3 h 05 min
